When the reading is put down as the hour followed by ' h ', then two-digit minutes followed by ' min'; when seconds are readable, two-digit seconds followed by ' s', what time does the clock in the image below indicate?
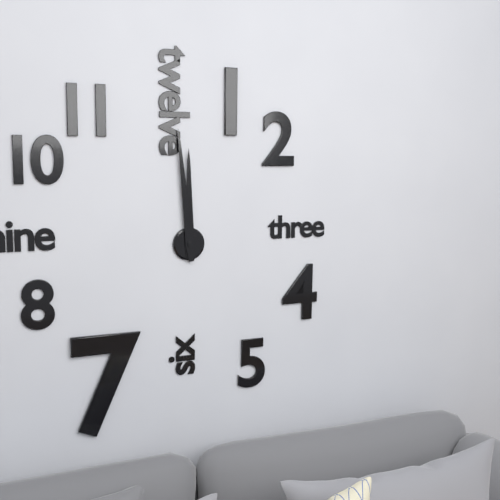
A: 11 h 59 min
